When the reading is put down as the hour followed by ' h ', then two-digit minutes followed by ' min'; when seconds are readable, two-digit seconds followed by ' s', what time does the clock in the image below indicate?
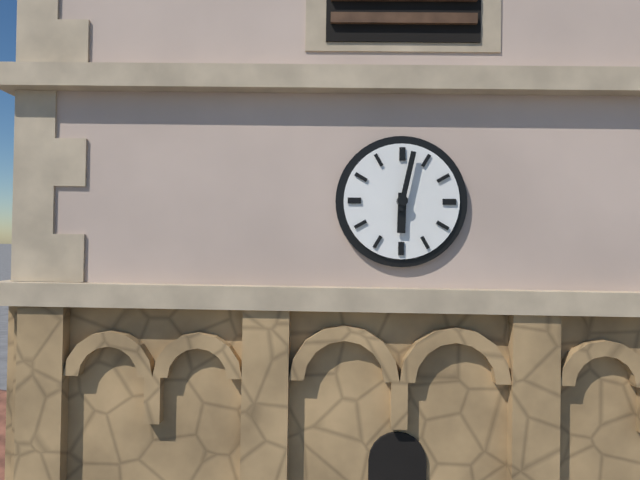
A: 6 h 02 min
